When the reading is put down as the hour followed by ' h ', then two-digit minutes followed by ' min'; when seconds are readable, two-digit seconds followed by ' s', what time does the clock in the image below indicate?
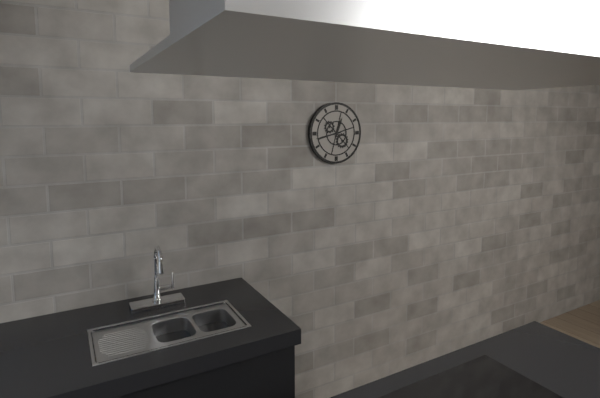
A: 12 h 43 min
